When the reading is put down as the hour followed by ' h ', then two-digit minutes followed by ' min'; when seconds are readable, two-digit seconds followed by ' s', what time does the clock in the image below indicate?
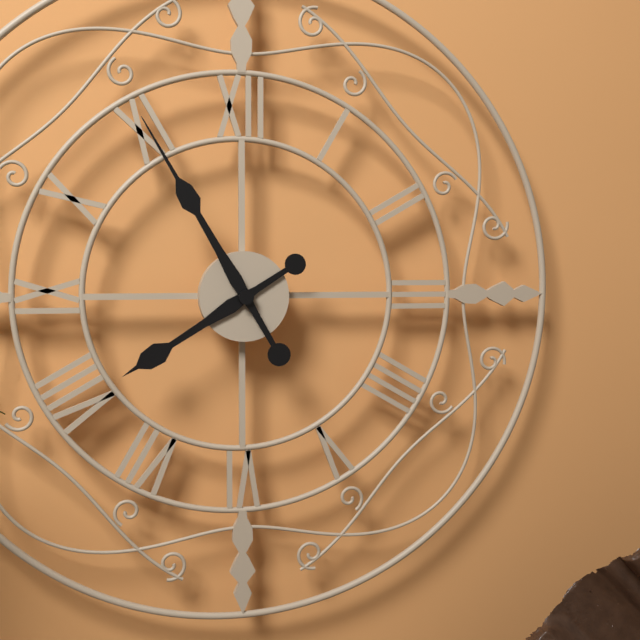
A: 7 h 55 min
